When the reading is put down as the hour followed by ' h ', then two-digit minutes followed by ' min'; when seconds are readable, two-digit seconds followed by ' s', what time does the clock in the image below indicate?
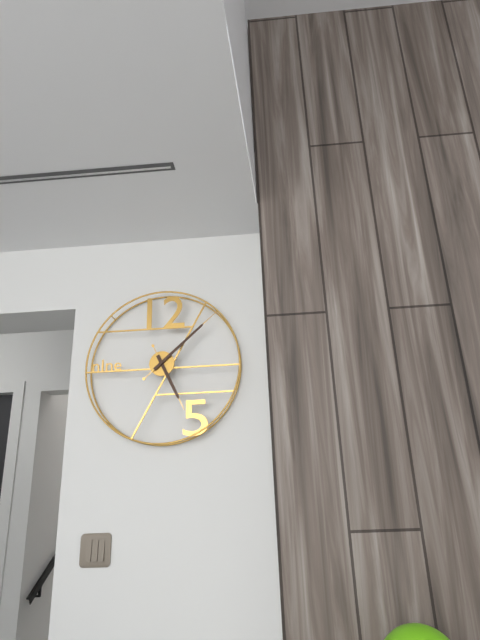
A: 5 h 08 min
